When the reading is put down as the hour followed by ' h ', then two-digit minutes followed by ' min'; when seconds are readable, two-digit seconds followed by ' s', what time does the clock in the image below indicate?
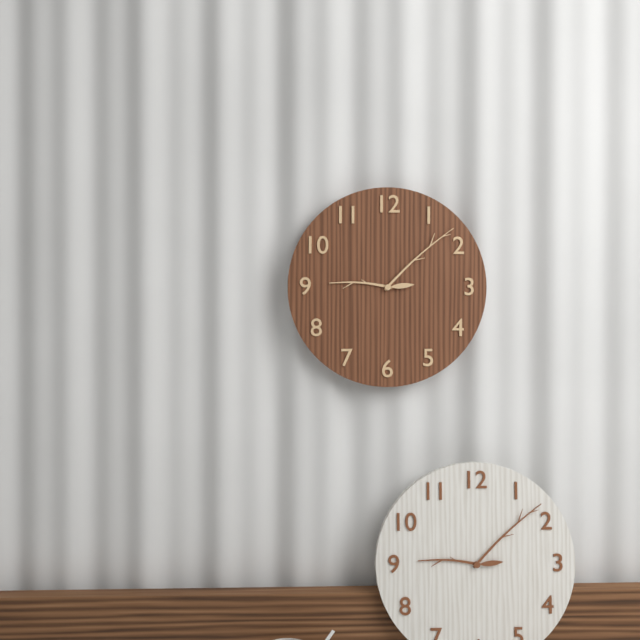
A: 9 h 08 min
